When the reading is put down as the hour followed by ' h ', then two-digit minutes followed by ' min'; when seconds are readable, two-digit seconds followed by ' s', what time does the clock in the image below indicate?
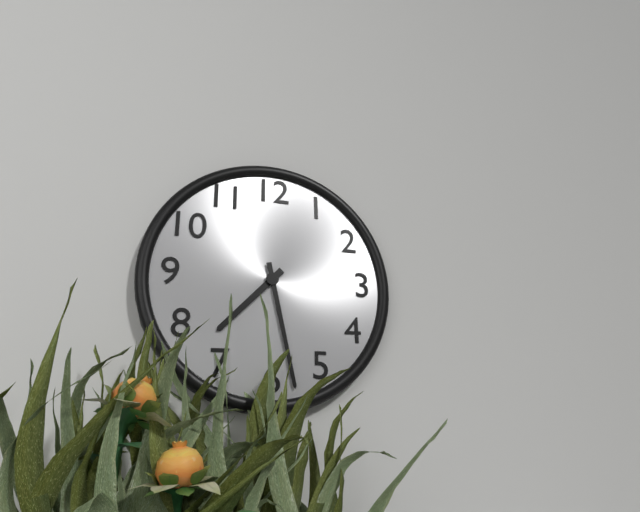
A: 7 h 28 min
